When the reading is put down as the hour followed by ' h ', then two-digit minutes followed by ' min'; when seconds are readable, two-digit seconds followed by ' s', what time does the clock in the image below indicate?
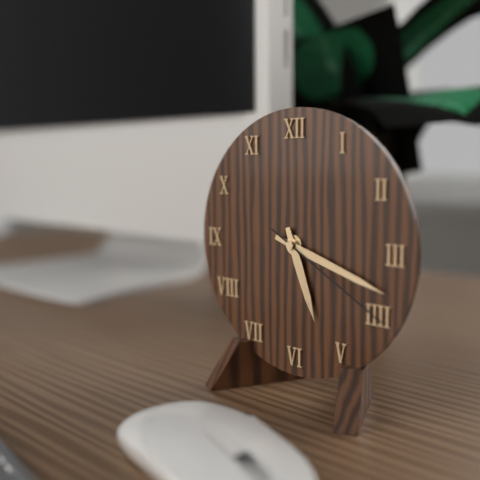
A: 5 h 18 min 20 s
